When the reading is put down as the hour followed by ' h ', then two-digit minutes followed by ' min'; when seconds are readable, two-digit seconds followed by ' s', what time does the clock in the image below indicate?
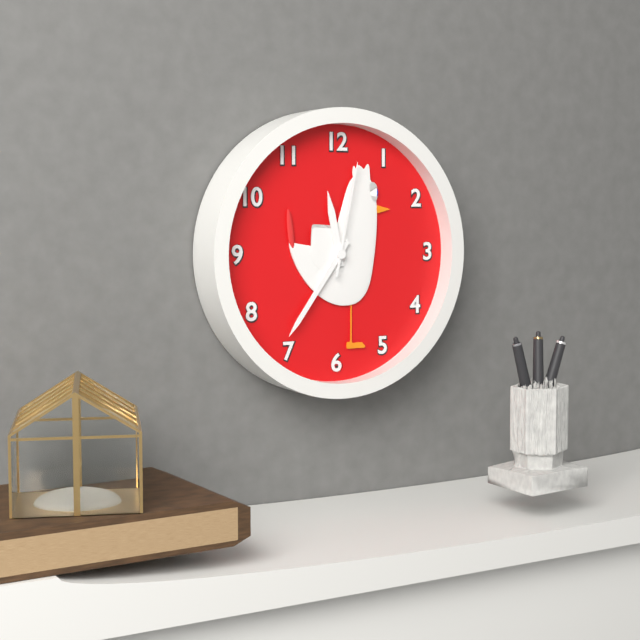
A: 11 h 36 min 02 s
